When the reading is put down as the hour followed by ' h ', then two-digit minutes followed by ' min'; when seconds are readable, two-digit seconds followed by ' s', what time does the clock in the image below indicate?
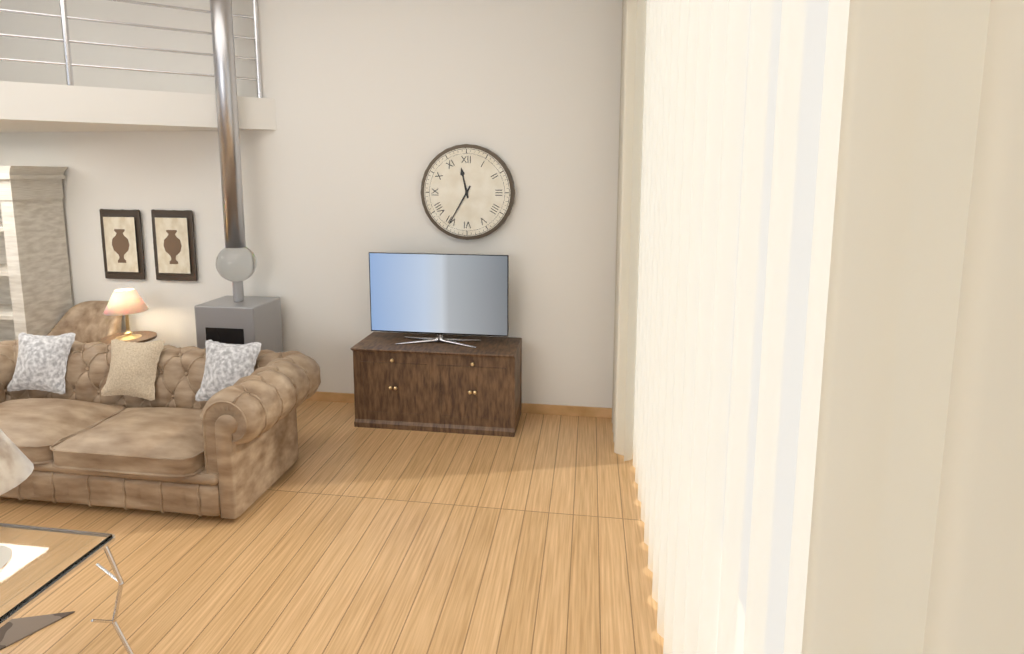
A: 11 h 35 min
